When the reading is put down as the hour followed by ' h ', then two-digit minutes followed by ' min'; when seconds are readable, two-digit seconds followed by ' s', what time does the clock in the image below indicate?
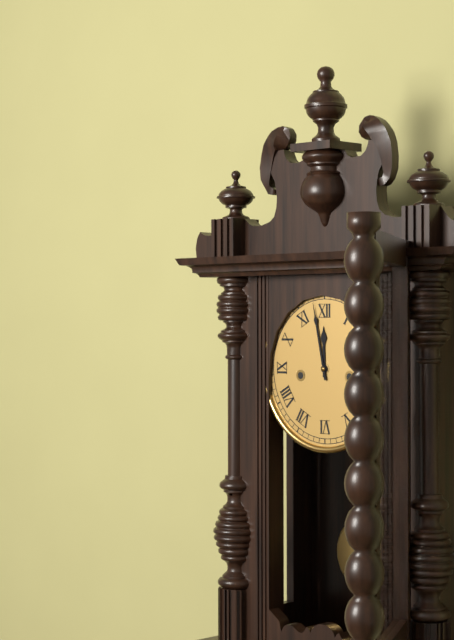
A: 11 h 58 min
